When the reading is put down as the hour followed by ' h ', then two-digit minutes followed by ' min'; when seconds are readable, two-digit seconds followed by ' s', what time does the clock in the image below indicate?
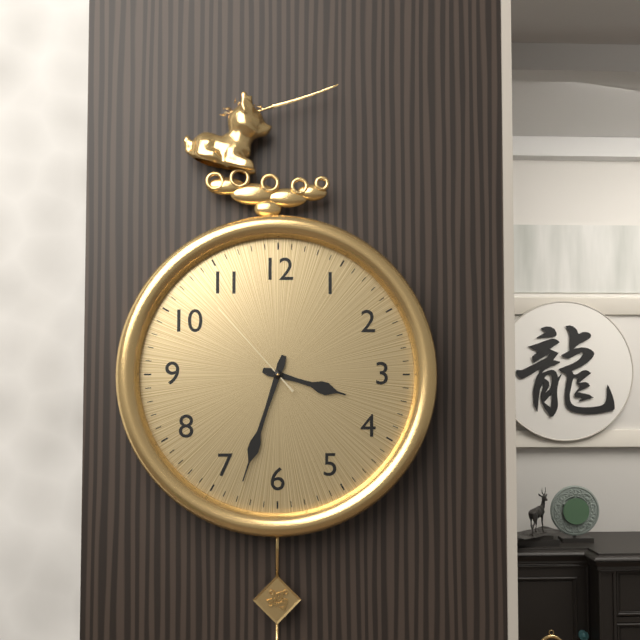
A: 3 h 33 min 53 s
